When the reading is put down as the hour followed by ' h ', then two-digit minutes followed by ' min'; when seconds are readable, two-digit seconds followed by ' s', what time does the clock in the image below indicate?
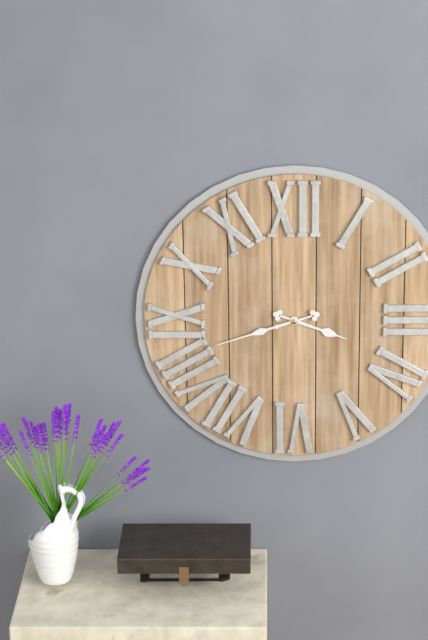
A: 3 h 42 min
